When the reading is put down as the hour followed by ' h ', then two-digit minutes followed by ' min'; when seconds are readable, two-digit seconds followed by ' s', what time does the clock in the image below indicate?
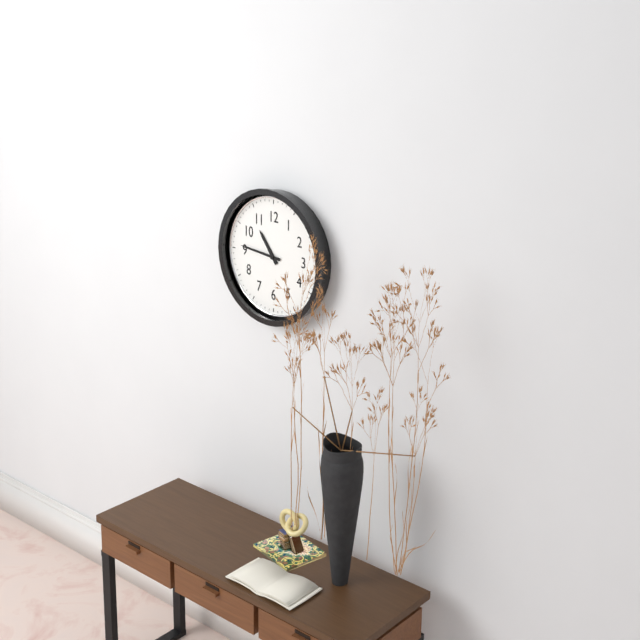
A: 10 h 46 min
